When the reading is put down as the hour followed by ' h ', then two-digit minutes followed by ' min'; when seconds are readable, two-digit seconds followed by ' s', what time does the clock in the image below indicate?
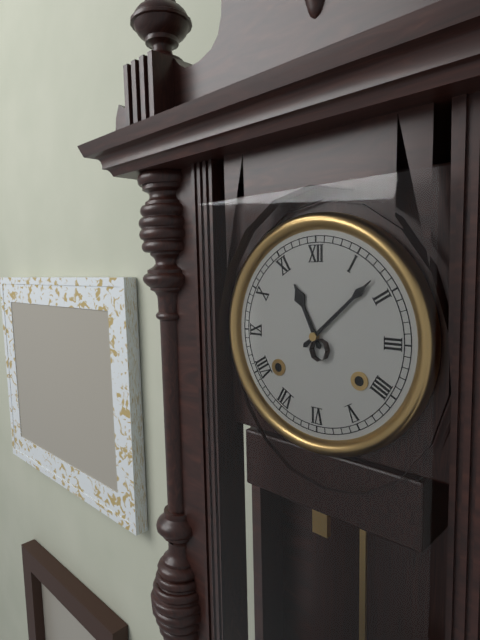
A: 11 h 08 min
